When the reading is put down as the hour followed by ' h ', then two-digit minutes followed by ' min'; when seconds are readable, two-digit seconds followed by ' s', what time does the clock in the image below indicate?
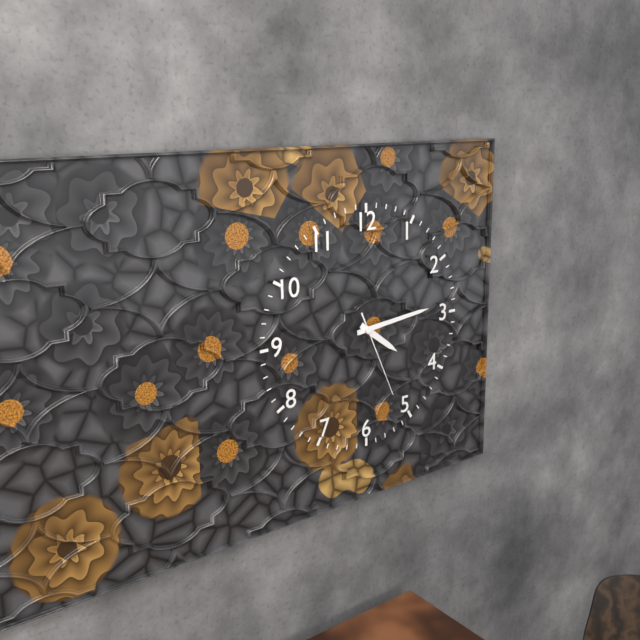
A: 4 h 14 min 26 s
